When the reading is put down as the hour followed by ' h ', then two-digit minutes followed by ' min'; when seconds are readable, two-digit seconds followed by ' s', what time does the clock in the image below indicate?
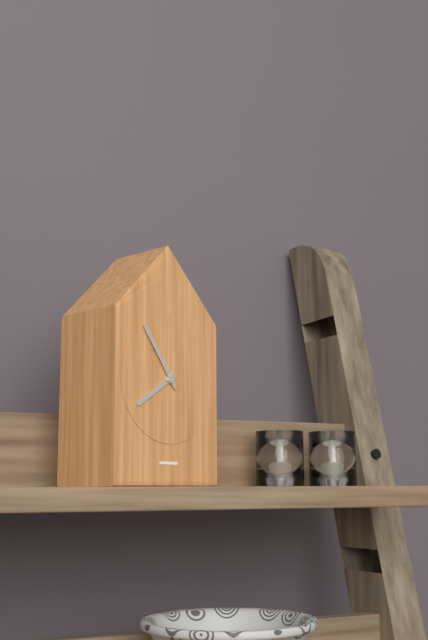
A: 7 h 54 min
